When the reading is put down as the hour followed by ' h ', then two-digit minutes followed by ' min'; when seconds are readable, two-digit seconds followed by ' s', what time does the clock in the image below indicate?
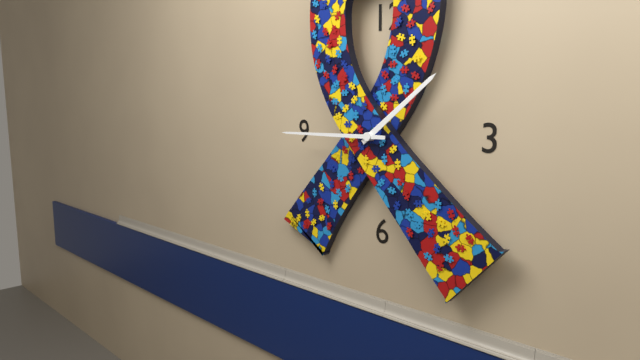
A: 1 h 45 min
